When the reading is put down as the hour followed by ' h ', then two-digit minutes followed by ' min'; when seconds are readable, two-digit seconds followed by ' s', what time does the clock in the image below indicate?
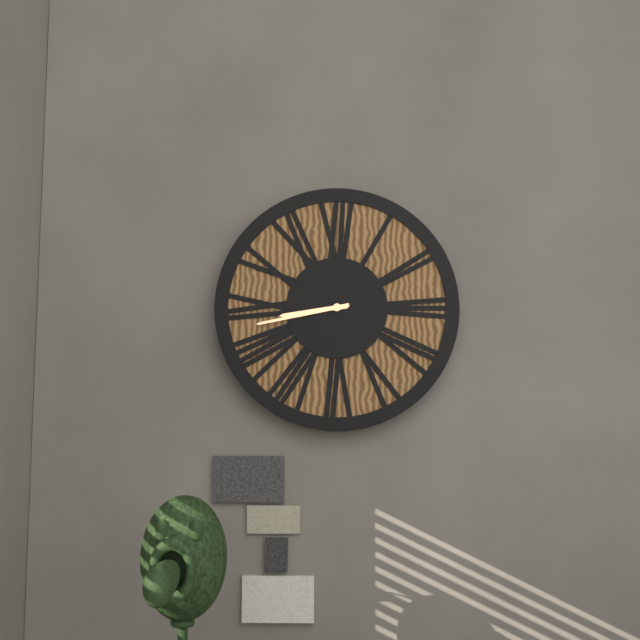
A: 8 h 43 min
